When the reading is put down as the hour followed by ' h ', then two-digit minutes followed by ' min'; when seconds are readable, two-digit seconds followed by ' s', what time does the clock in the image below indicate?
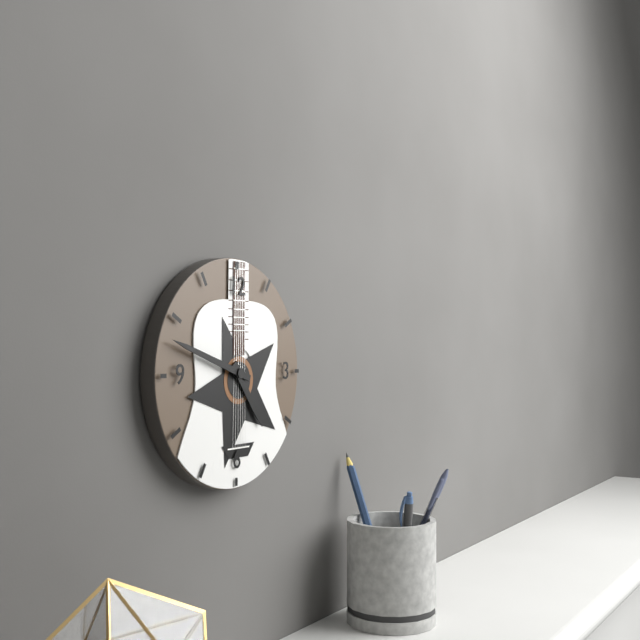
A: 4 h 48 min
